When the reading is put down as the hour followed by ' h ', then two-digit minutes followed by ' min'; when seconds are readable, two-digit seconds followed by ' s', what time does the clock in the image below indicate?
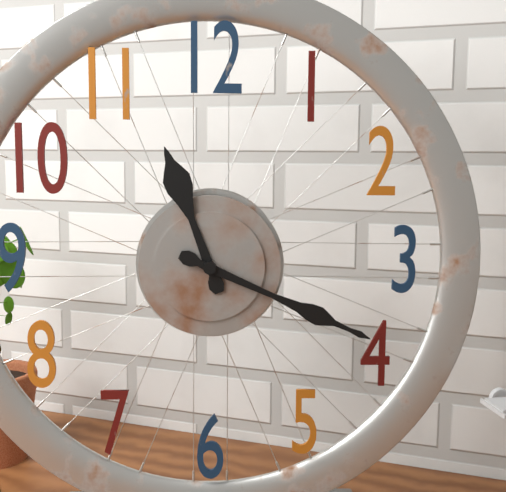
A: 11 h 19 min
